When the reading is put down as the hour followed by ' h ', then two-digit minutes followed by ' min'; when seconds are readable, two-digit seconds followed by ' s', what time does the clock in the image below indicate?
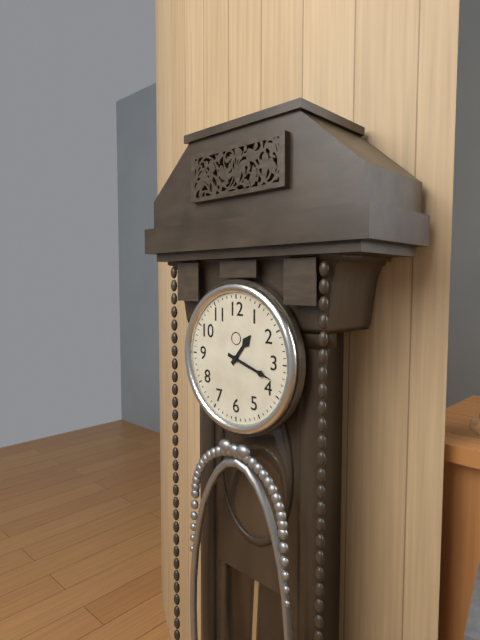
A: 1 h 18 min
